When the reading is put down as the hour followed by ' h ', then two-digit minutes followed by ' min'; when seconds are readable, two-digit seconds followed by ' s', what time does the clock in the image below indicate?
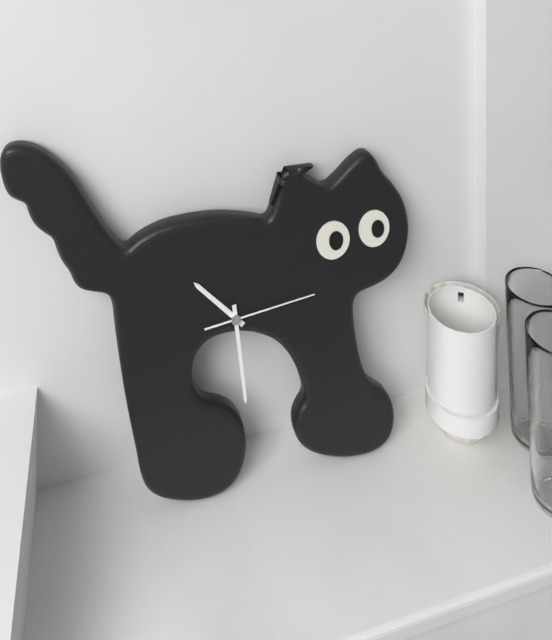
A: 10 h 29 min 14 s
